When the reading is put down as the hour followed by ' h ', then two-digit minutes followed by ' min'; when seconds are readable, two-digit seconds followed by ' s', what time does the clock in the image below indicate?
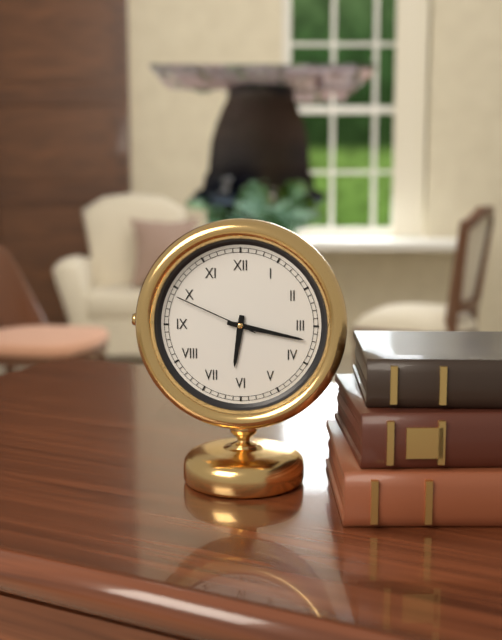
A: 6 h 17 min 49 s
